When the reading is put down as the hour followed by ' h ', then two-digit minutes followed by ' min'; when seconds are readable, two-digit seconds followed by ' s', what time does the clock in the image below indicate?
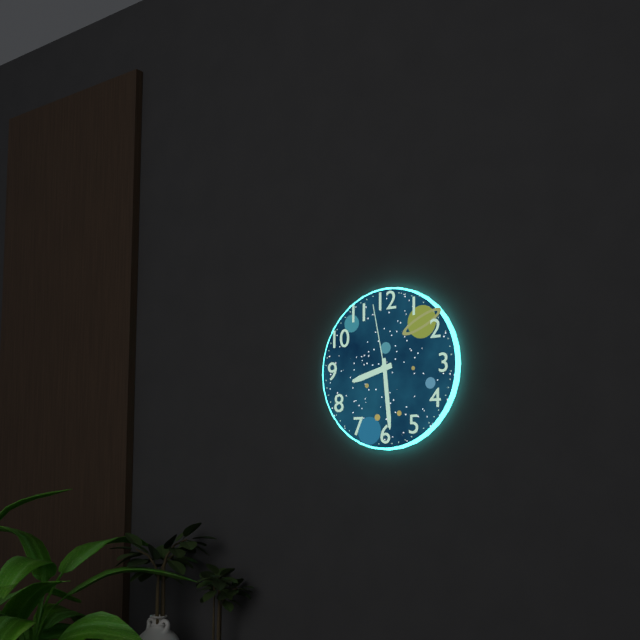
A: 8 h 29 min 58 s
